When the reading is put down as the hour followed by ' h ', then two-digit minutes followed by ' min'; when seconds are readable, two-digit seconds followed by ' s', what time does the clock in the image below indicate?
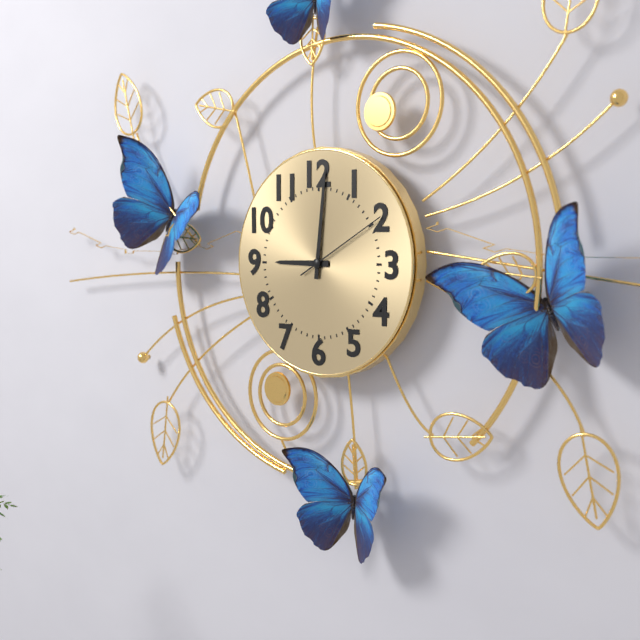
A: 9 h 01 min 10 s
